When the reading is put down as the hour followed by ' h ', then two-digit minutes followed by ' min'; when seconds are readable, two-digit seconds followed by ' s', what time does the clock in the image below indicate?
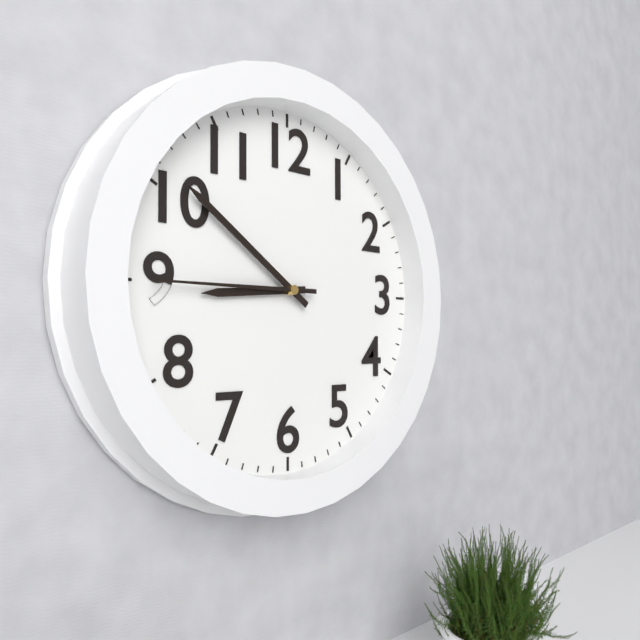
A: 8 h 51 min 45 s
